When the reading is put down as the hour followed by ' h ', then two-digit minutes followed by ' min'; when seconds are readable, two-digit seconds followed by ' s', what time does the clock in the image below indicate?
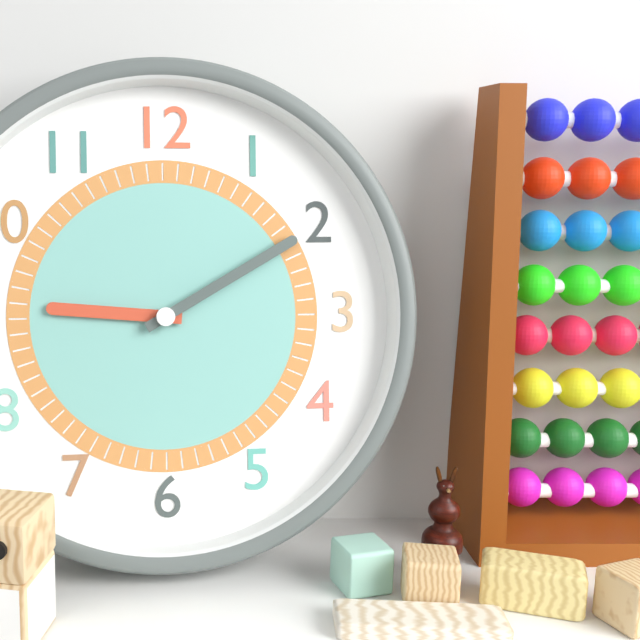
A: 9 h 10 min
